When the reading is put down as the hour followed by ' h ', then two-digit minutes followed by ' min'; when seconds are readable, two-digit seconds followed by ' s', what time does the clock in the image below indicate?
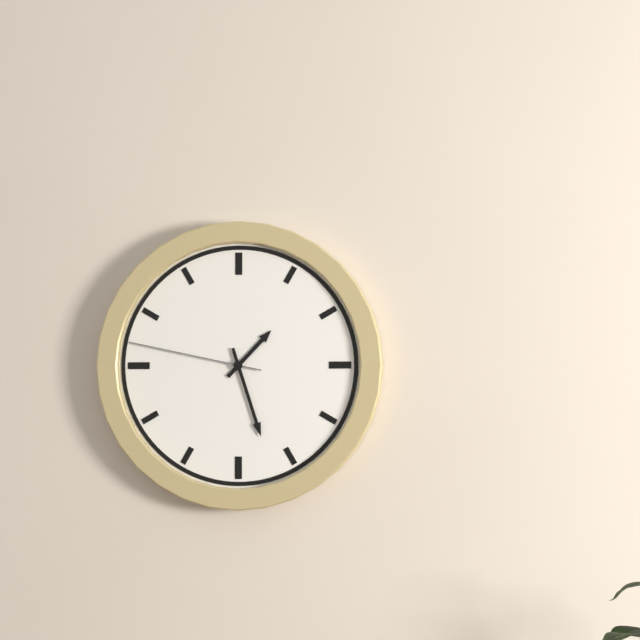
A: 1 h 27 min 47 s
